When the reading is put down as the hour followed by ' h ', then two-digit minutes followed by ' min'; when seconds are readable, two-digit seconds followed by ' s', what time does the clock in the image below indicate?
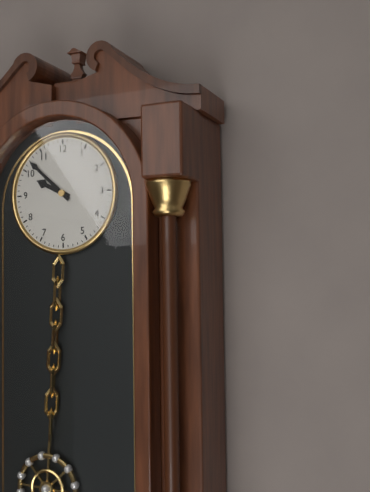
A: 9 h 52 min
